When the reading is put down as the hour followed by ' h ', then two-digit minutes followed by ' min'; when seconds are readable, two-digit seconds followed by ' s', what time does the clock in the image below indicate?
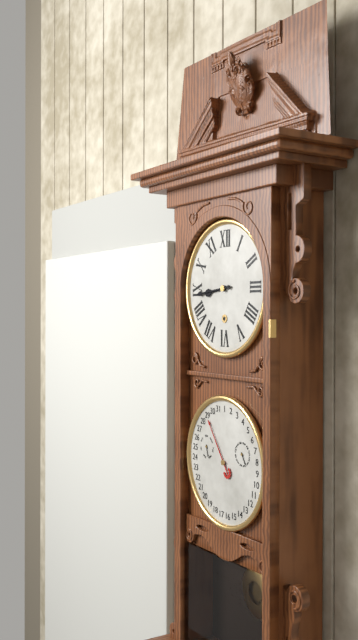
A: 8 h 44 min
